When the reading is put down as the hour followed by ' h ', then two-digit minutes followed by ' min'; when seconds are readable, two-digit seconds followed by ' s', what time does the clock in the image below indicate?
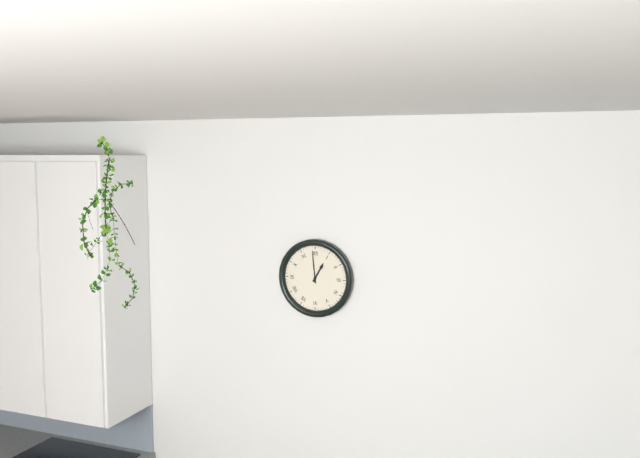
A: 12 h 59 min
